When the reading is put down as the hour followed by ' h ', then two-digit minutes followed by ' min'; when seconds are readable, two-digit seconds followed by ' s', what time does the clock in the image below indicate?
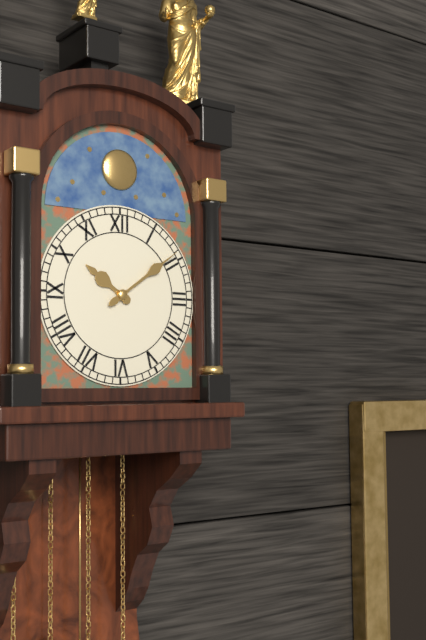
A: 10 h 09 min
